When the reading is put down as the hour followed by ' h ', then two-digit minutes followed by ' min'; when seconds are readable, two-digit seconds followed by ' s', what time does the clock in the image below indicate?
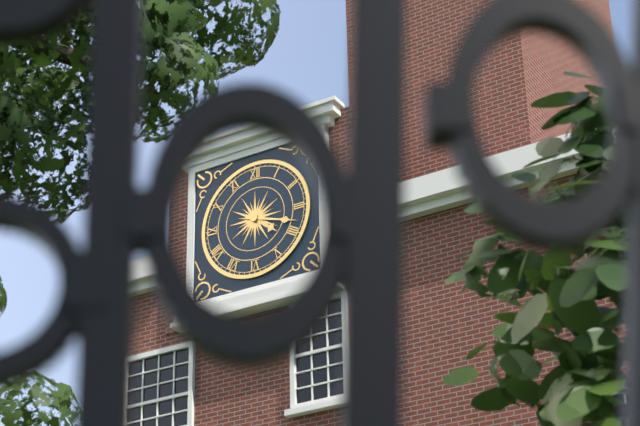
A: 4 h 18 min
